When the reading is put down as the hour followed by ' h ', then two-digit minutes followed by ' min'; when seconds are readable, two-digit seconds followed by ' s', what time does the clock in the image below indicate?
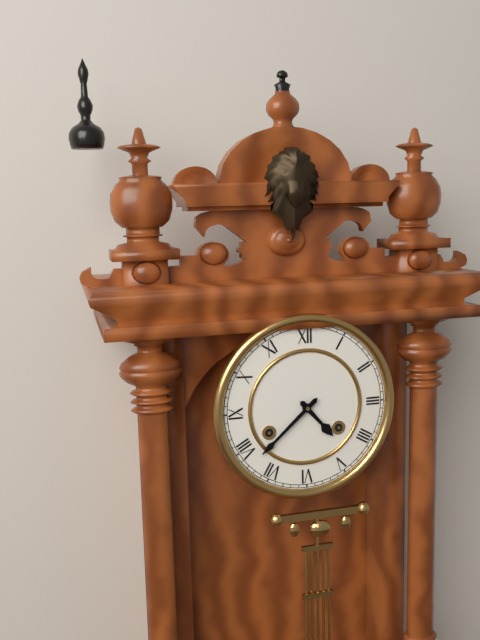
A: 4 h 38 min
